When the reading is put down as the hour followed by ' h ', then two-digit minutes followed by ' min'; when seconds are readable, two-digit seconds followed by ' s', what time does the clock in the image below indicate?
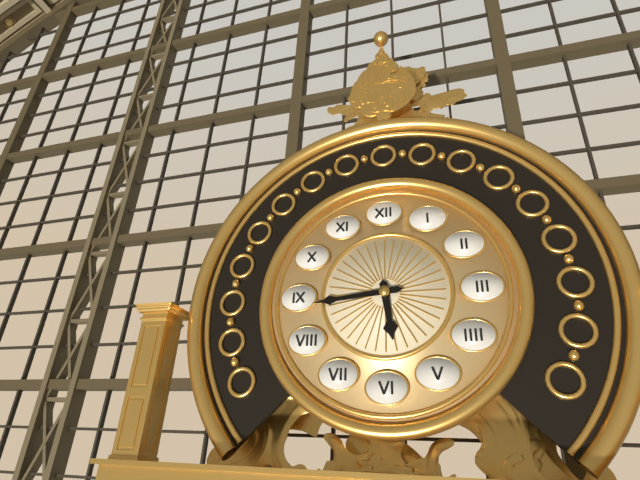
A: 5 h 44 min
